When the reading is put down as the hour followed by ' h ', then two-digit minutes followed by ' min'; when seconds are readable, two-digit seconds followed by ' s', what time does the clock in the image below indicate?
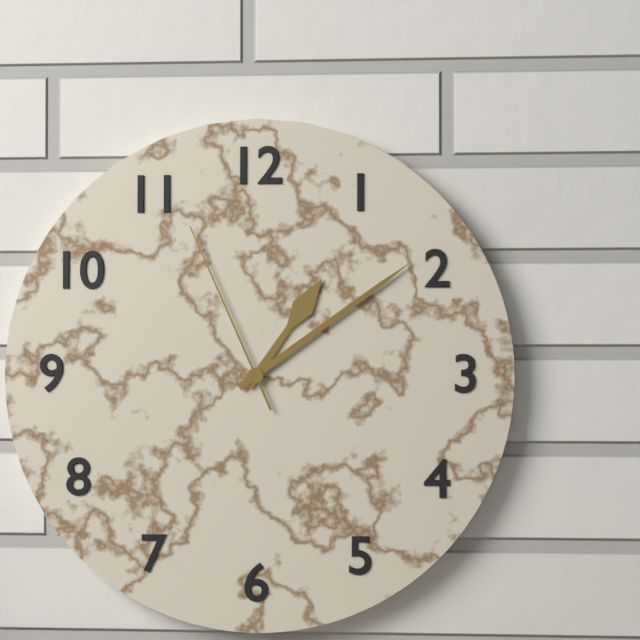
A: 1 h 09 min 56 s
